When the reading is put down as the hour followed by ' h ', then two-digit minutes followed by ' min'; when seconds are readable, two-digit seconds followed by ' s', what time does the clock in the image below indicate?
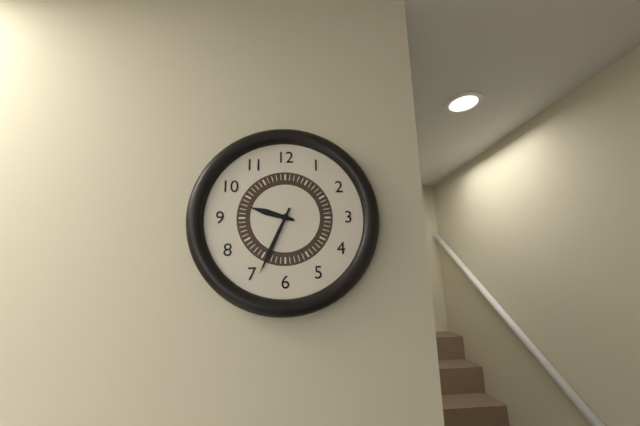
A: 9 h 34 min
